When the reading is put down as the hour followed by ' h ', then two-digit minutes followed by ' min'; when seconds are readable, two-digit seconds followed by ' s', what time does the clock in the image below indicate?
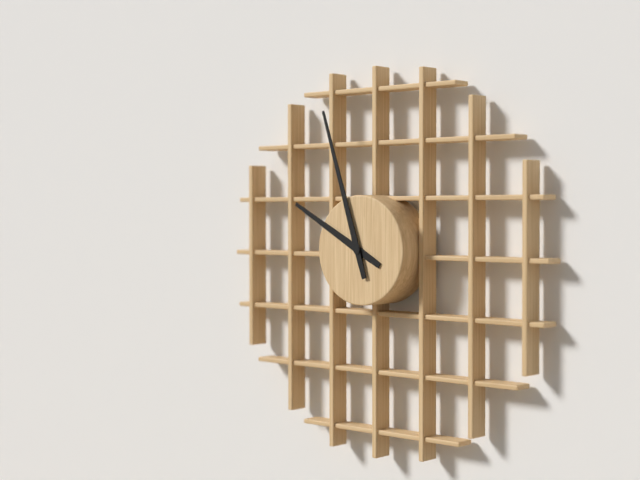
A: 9 h 57 min
